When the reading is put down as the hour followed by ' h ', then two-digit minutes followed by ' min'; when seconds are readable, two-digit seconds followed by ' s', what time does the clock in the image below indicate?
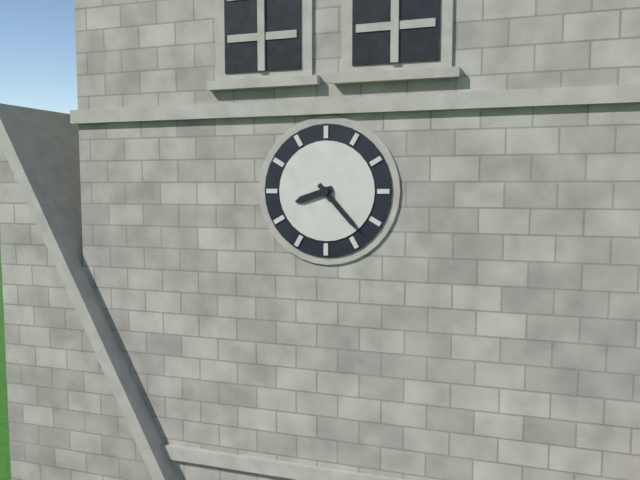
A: 8 h 23 min
